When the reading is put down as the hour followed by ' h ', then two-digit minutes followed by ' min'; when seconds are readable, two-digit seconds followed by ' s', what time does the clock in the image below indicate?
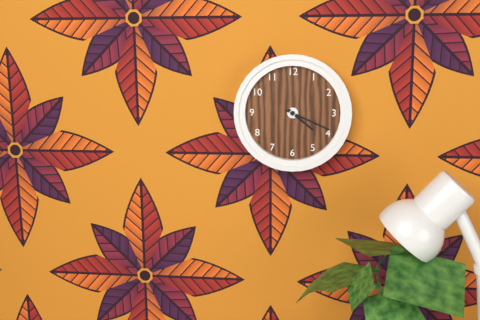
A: 4 h 19 min
